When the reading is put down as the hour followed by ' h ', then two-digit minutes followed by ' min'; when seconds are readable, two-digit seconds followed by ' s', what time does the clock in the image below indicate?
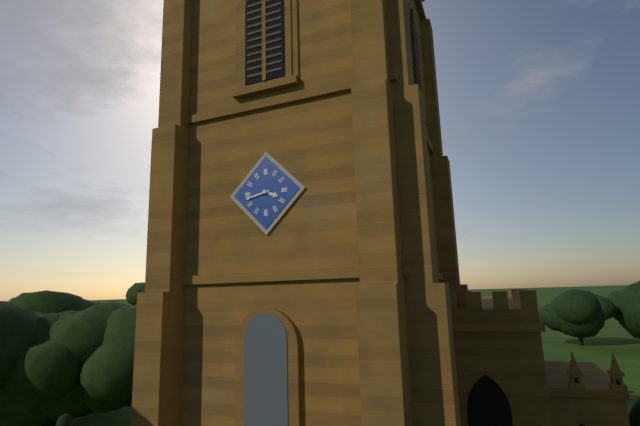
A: 3 h 43 min
